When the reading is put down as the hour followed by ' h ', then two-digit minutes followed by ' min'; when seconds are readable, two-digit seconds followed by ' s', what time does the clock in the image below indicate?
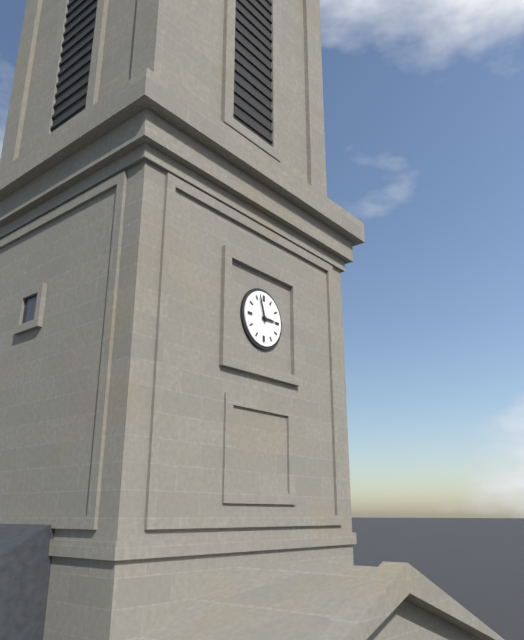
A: 2 h 57 min
